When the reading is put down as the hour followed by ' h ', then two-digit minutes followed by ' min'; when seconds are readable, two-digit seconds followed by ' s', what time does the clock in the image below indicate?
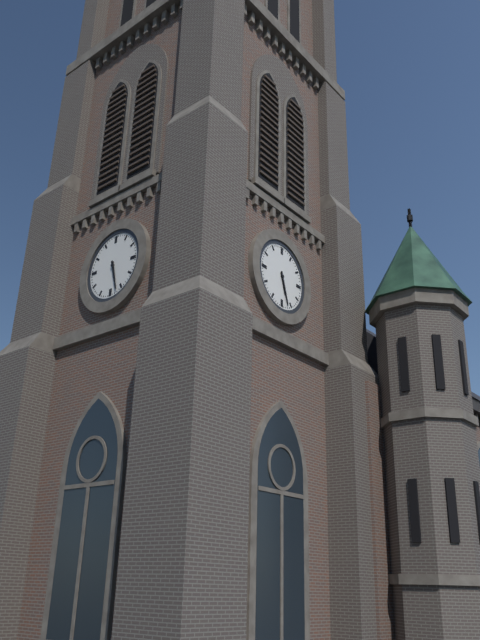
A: 5 h 27 min
